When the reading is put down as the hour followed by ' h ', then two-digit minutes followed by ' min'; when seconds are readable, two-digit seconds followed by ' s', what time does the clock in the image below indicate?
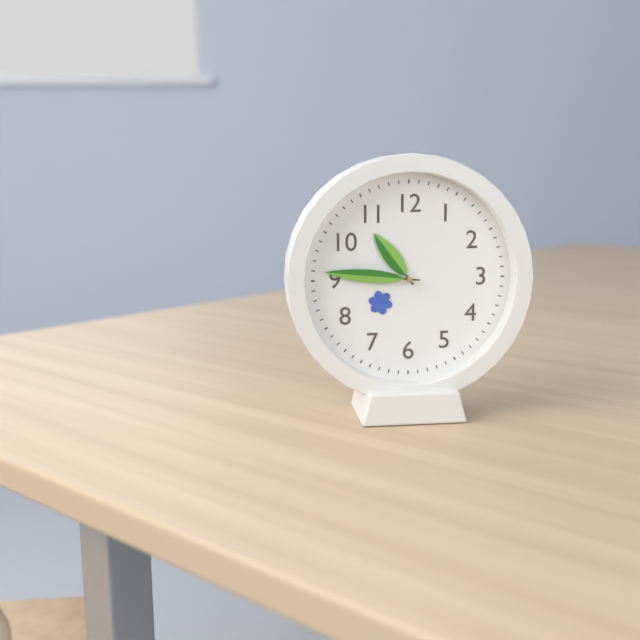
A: 10 h 46 min
